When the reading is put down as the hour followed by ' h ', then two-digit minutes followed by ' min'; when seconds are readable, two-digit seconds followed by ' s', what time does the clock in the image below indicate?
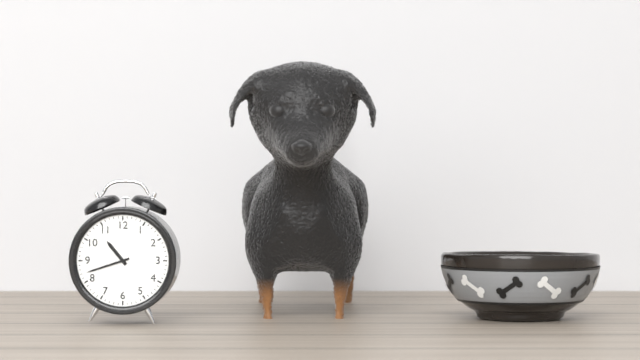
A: 10 h 42 min
